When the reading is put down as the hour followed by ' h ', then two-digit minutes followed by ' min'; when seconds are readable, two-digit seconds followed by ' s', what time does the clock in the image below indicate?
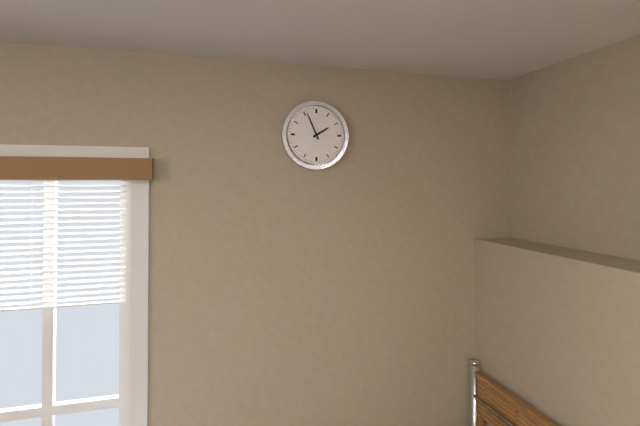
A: 1 h 56 min
